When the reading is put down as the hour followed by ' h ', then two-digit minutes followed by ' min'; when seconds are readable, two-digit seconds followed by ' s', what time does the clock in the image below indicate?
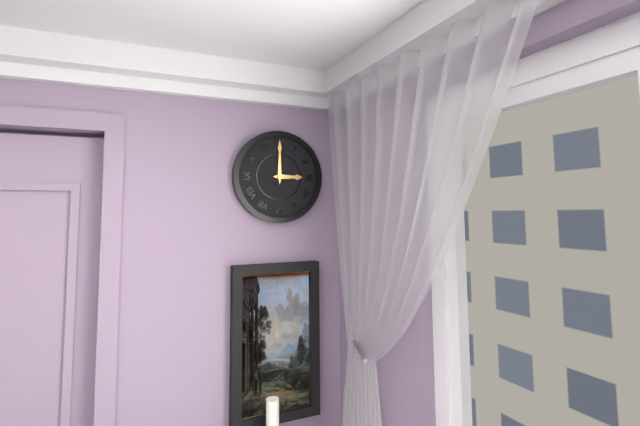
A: 3 h 00 min
